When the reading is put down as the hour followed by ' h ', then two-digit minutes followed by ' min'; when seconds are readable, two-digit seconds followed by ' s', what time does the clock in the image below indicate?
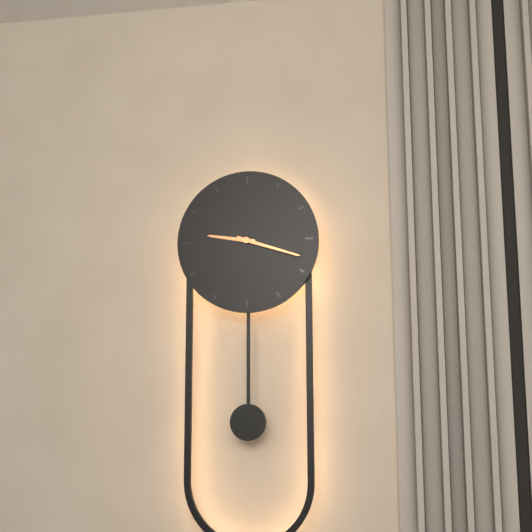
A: 9 h 18 min
